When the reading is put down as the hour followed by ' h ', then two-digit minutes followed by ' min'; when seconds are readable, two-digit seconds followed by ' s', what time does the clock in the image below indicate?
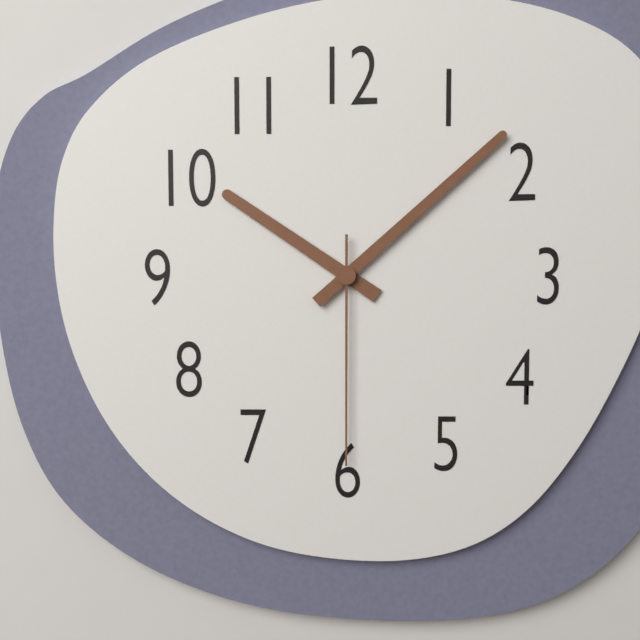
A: 10 h 08 min 30 s
